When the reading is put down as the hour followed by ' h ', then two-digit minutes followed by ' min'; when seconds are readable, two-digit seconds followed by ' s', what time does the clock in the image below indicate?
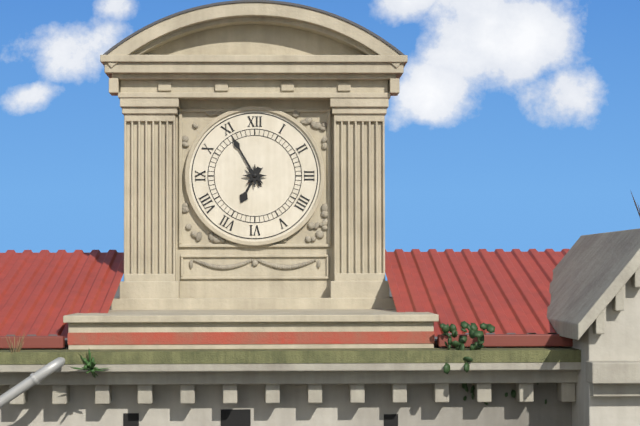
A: 6 h 55 min
